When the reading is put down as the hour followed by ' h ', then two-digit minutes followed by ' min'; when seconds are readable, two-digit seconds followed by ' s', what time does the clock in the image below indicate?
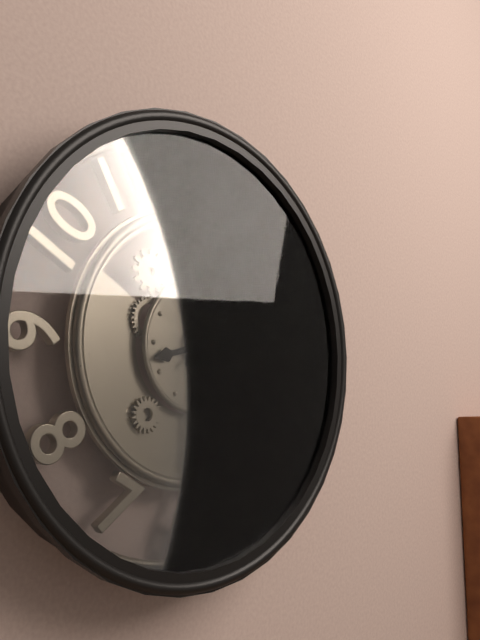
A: 8 h 30 min 08 s
